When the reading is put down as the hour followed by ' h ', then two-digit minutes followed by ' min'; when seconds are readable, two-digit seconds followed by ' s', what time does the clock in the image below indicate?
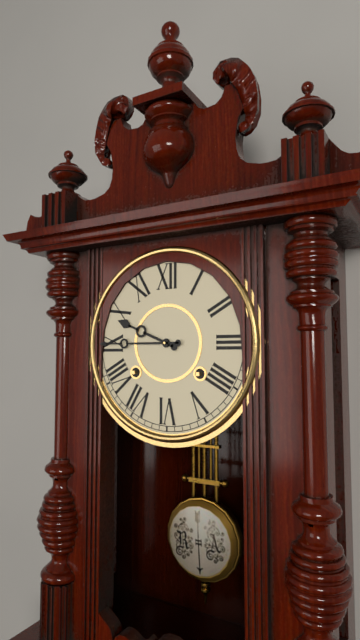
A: 9 h 45 min
